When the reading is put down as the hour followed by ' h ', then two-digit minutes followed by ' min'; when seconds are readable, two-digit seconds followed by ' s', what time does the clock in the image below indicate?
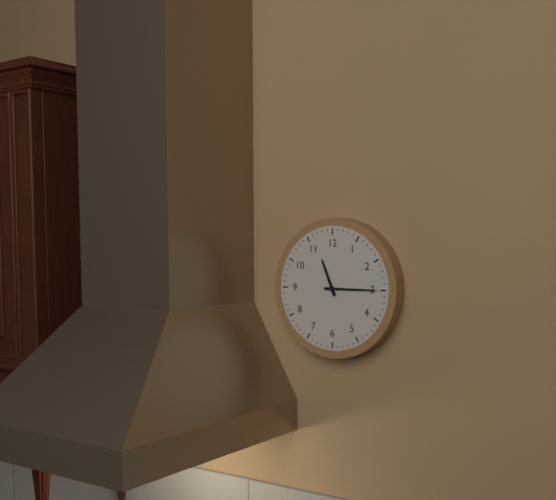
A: 11 h 15 min
